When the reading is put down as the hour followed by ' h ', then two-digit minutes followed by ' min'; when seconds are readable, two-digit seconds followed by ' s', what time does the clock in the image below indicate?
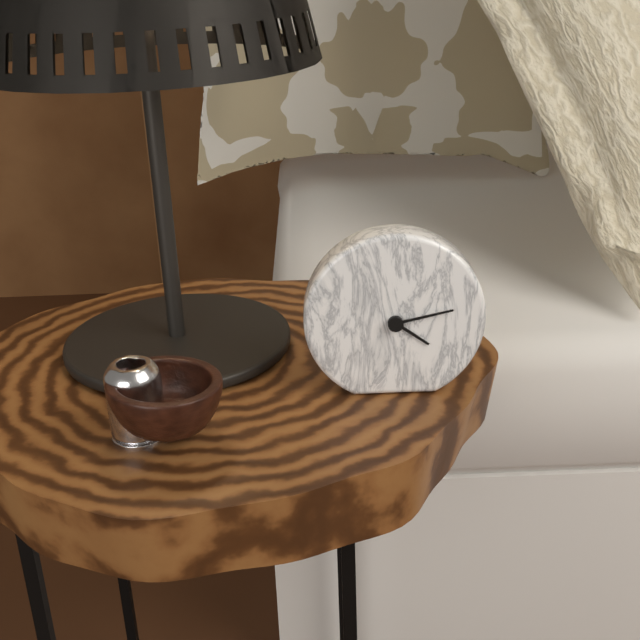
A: 4 h 13 min
